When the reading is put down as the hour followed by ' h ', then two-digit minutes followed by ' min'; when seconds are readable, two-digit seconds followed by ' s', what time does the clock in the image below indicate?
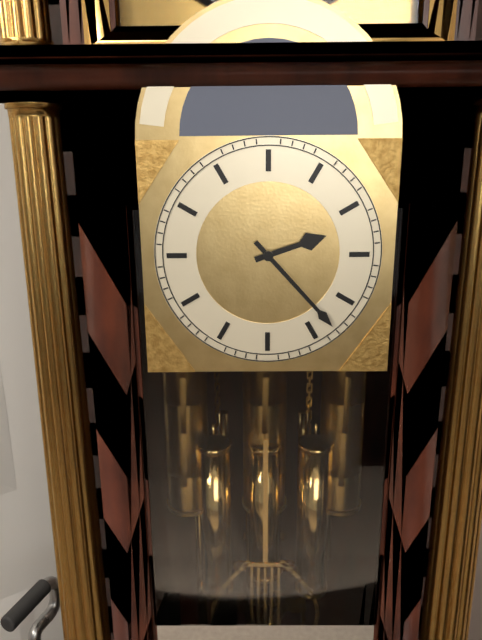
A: 2 h 23 min
